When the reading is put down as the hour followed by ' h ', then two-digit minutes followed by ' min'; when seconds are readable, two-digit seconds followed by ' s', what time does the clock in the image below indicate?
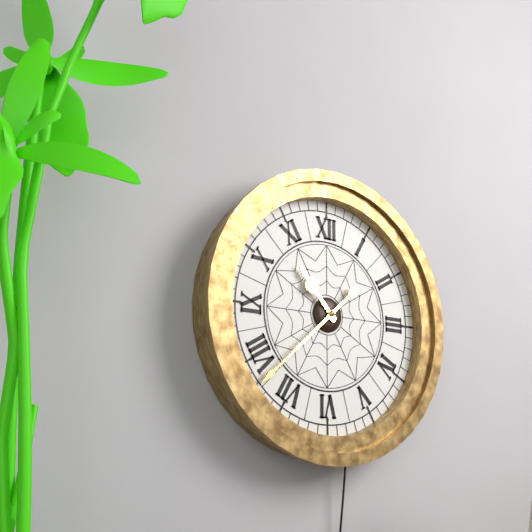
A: 10 h 38 min
